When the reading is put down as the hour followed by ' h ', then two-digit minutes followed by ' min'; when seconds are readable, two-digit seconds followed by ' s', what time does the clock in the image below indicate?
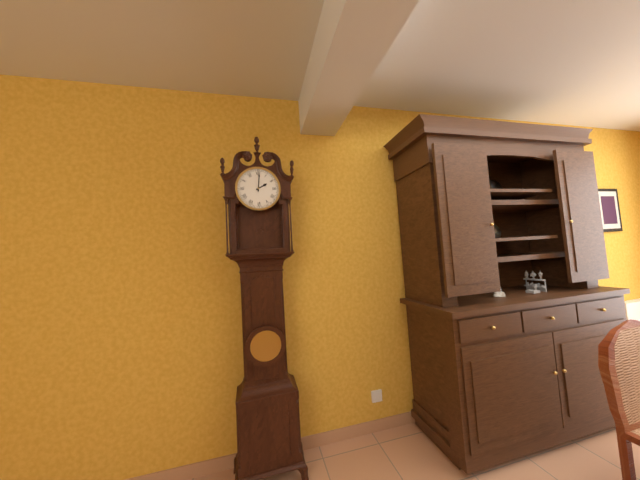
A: 2 h 01 min
